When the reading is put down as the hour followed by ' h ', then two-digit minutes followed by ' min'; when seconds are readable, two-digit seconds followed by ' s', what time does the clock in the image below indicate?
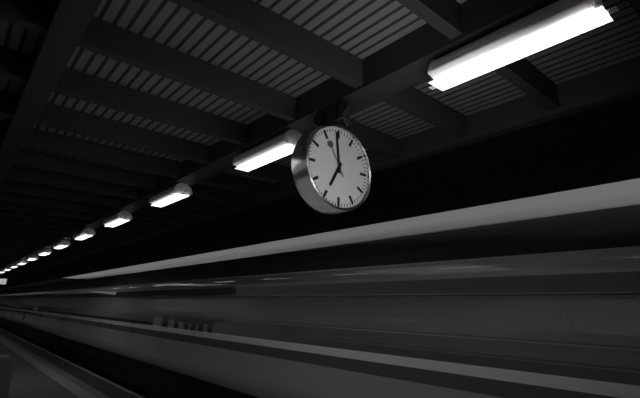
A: 6 h 59 min
